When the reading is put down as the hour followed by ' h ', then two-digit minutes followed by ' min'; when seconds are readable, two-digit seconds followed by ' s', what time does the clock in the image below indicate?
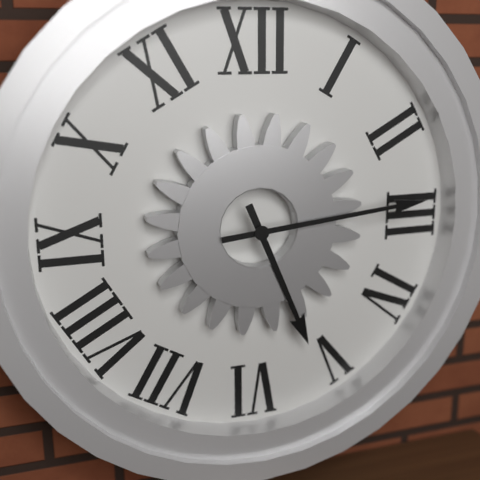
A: 5 h 14 min
